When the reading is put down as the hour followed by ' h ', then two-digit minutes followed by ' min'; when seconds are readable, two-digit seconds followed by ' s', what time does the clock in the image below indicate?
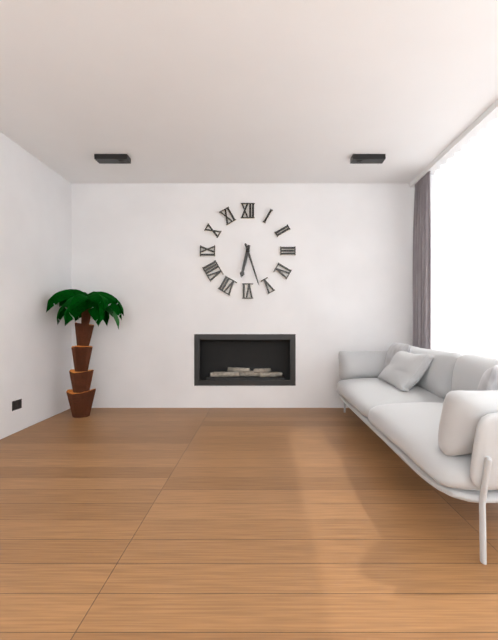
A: 6 h 27 min
